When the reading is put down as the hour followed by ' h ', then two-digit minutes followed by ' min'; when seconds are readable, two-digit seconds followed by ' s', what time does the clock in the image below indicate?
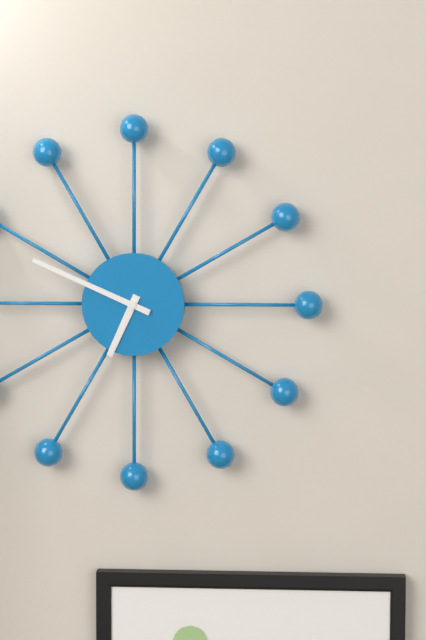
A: 6 h 49 min
